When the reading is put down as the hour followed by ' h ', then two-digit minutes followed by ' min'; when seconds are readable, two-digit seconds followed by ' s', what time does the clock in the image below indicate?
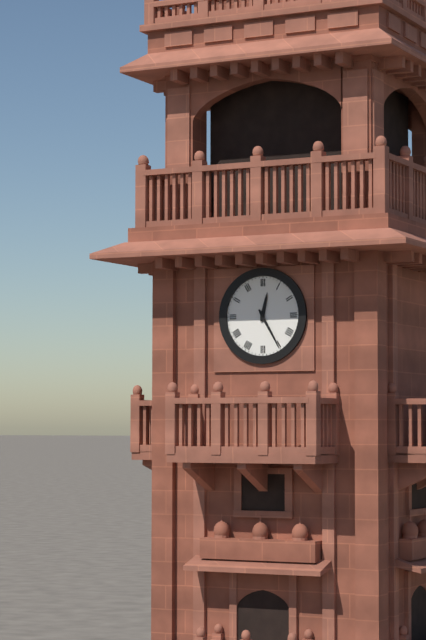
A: 12 h 25 min
